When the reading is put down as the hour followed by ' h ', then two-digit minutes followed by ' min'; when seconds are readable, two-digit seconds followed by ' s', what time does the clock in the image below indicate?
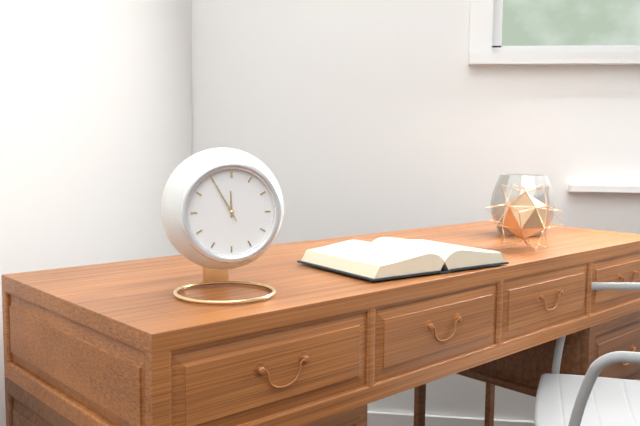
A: 11 h 55 min 55 s
